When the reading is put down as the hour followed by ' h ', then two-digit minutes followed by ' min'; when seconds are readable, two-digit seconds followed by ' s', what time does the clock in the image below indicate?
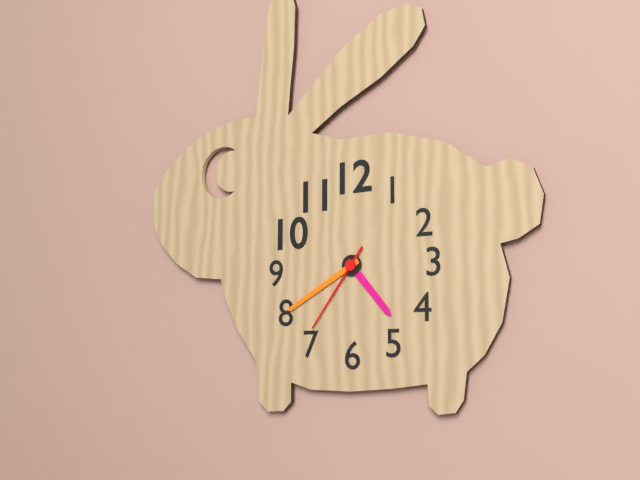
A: 4 h 40 min 36 s
